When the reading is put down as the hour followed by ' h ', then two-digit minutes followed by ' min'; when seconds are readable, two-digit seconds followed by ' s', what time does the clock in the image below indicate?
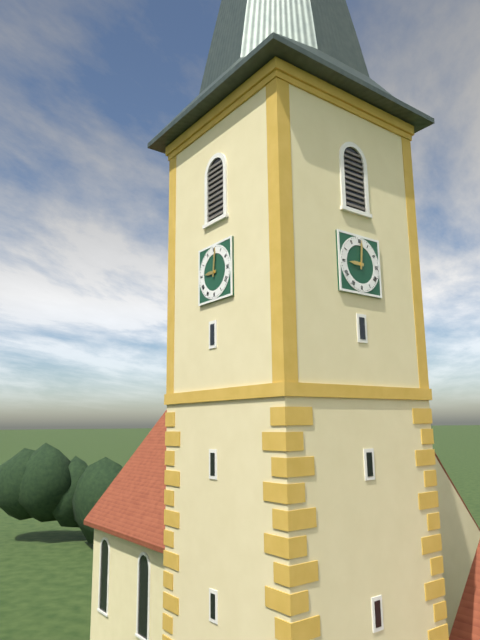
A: 9 h 01 min
